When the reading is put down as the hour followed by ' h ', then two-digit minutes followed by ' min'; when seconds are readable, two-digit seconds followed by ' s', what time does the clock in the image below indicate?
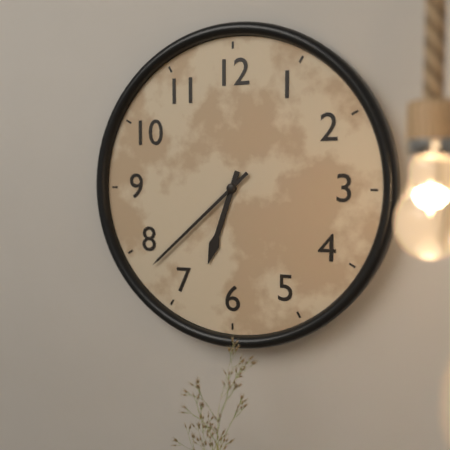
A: 6 h 38 min
